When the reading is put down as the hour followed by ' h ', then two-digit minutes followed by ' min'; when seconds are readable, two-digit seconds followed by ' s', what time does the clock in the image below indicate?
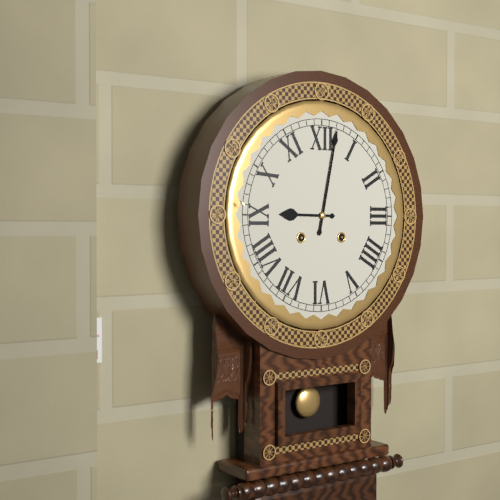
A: 9 h 02 min
